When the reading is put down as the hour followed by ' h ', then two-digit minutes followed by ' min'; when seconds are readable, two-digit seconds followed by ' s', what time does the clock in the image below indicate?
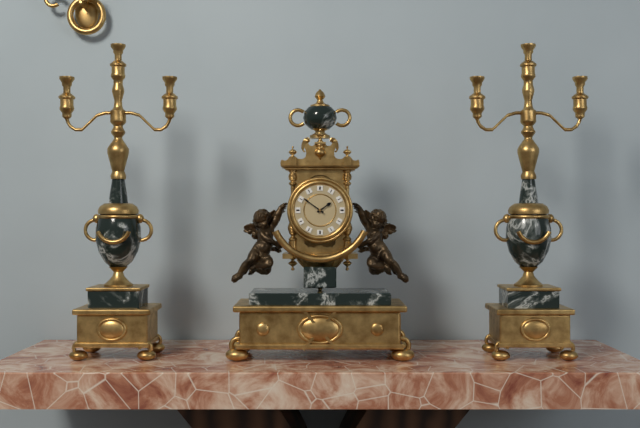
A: 1 h 51 min
